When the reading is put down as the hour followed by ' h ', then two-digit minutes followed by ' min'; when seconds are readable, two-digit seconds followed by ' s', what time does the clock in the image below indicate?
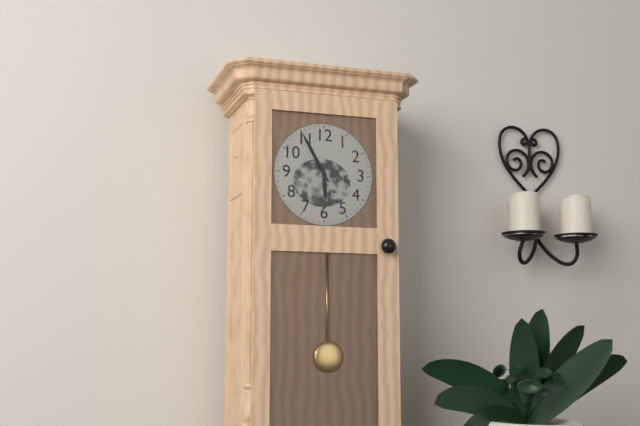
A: 5 h 55 min
